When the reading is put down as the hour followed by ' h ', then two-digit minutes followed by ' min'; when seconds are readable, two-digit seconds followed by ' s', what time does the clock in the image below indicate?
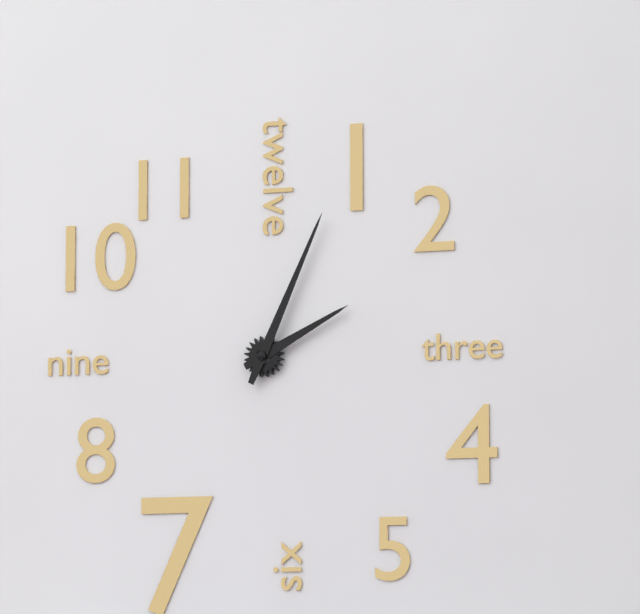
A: 2 h 04 min
